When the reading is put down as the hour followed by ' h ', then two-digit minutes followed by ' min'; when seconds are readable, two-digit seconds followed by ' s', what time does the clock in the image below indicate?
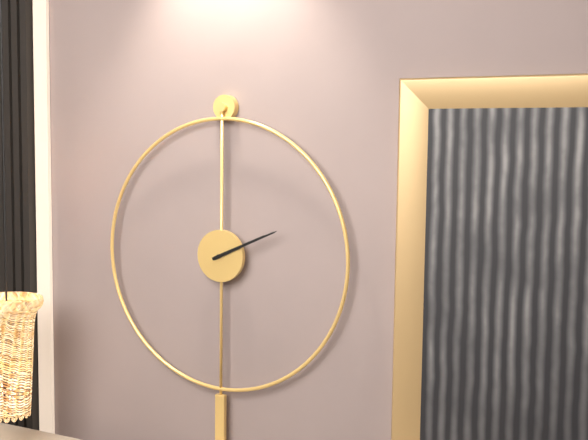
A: 2 h 11 min
